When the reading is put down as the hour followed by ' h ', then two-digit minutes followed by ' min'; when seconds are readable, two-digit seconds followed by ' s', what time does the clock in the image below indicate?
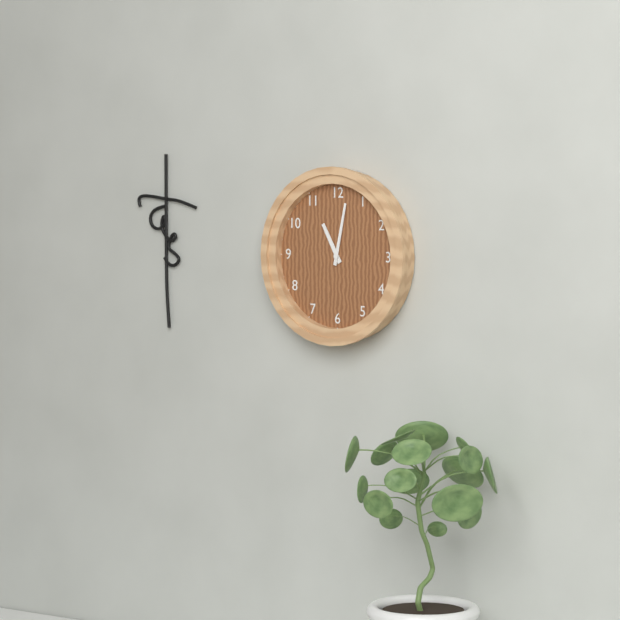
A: 11 h 02 min
